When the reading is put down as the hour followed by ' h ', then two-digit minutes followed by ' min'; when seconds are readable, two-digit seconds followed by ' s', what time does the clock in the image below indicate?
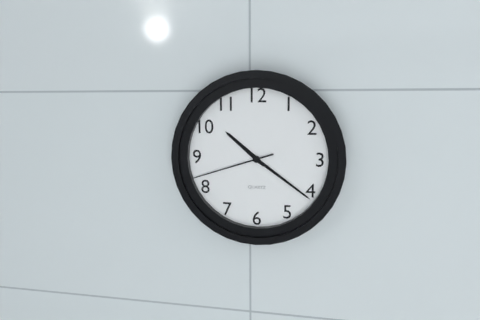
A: 10 h 21 min 42 s
